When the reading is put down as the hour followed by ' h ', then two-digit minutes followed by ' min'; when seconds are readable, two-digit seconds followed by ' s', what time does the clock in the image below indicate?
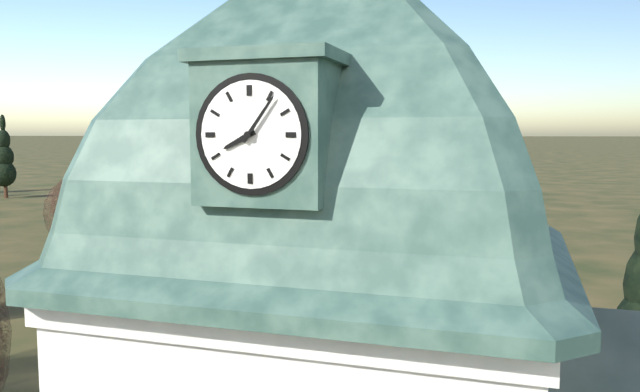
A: 8 h 06 min
